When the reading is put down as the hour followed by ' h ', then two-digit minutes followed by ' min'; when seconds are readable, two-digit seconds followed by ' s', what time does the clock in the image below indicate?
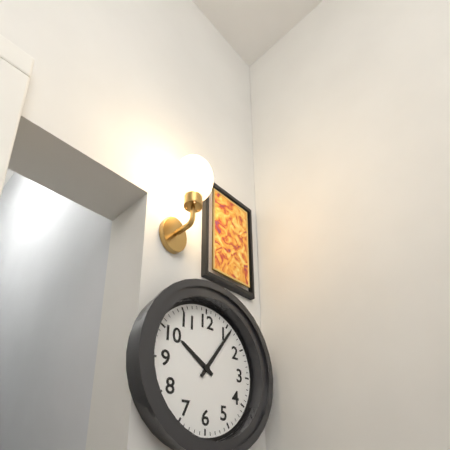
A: 10 h 06 min
